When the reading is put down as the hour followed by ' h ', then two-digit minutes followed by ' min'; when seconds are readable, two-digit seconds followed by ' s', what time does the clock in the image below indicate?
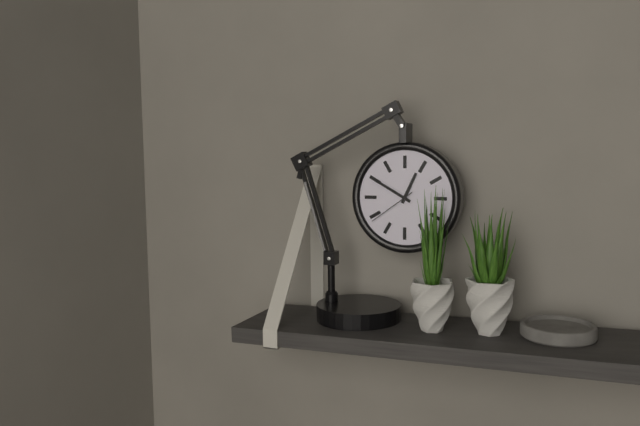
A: 12 h 50 min
